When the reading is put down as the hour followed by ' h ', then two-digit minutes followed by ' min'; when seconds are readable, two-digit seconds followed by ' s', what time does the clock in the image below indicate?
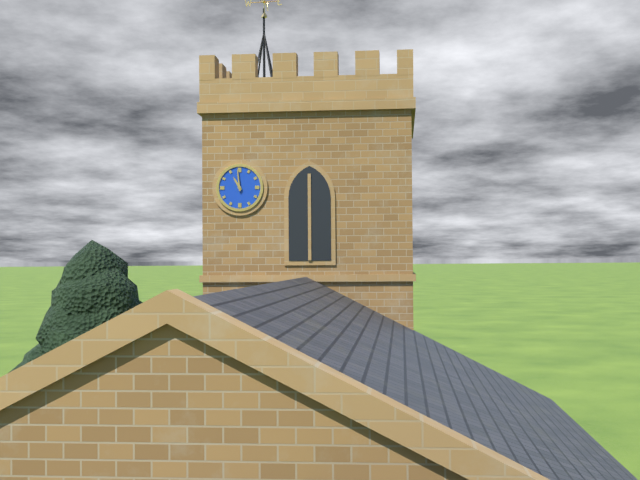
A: 10 h 59 min
